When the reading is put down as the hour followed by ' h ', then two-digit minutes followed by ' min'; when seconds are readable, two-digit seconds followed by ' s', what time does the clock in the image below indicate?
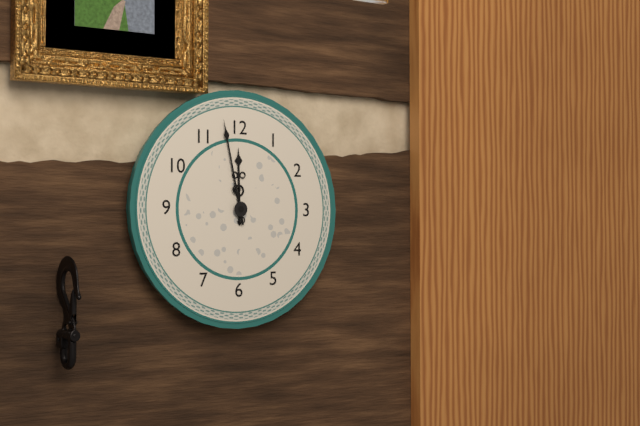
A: 11 h 58 min
